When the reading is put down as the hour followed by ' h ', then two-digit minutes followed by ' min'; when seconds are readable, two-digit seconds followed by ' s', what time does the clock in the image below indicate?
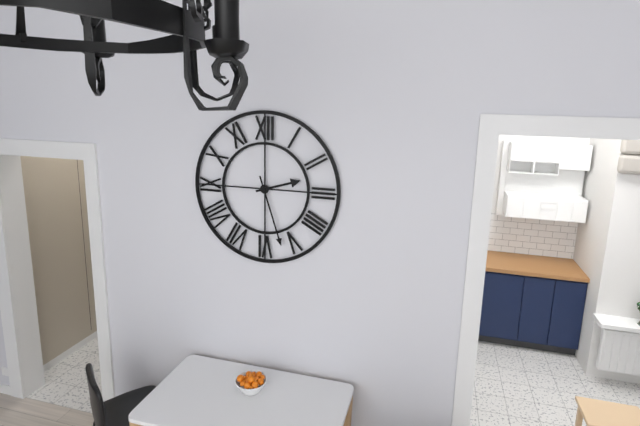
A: 2 h 27 min
